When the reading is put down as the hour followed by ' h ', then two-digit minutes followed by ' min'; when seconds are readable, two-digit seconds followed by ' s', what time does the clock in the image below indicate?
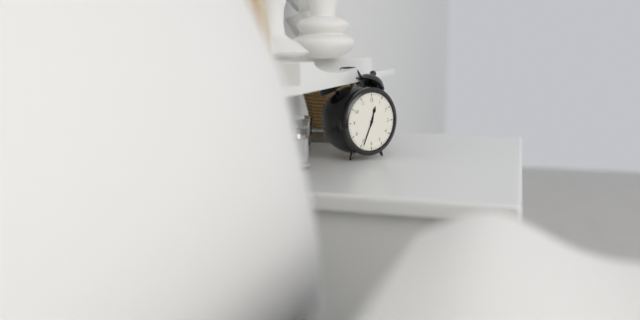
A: 12 h 34 min
